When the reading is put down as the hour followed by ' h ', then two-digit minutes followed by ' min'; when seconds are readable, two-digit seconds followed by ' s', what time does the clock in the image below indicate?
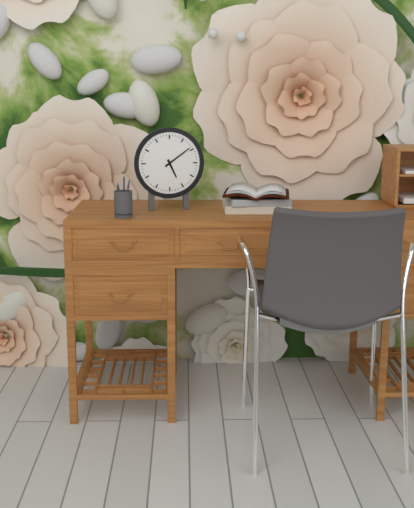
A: 5 h 09 min
